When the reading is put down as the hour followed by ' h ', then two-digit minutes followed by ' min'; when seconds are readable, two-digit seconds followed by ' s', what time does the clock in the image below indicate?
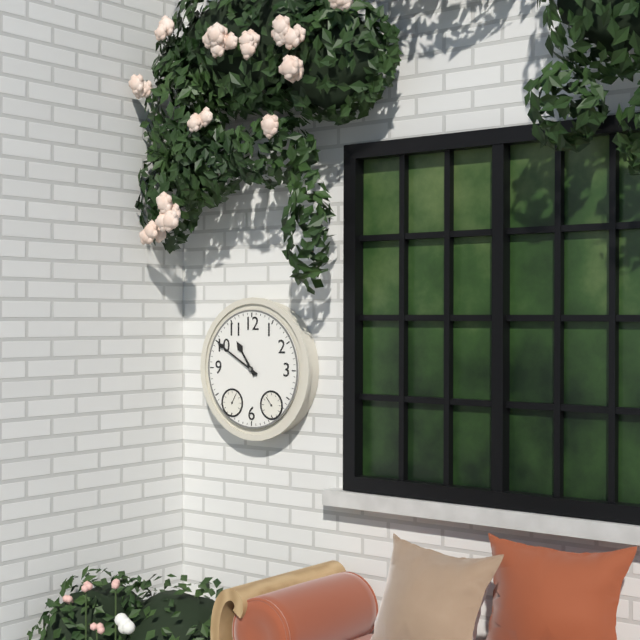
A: 10 h 50 min
